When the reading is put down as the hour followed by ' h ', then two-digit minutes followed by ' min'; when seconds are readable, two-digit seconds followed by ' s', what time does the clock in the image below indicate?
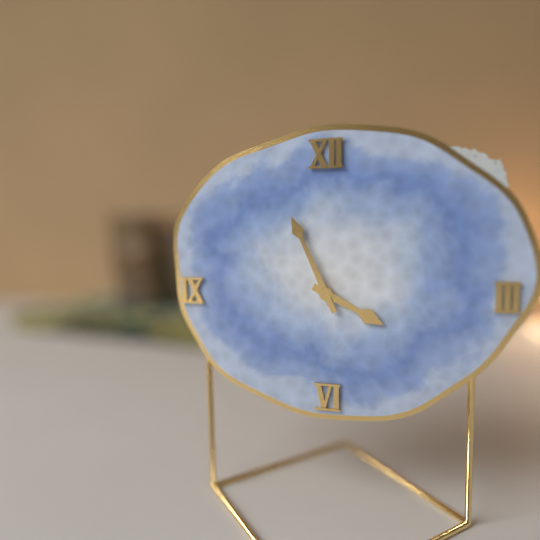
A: 3 h 56 min
